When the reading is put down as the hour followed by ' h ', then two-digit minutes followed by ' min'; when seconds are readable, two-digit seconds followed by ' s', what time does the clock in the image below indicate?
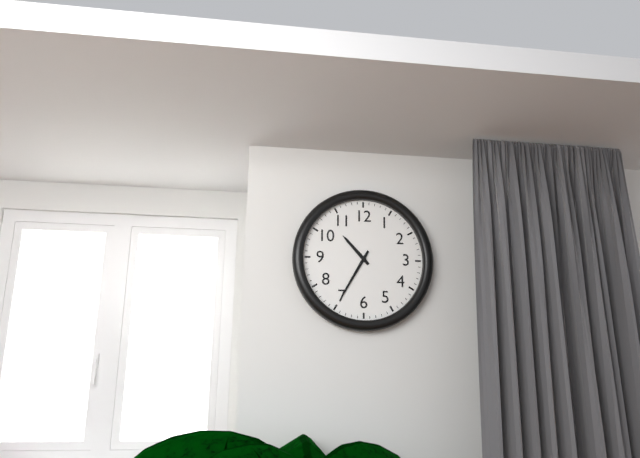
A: 10 h 35 min
